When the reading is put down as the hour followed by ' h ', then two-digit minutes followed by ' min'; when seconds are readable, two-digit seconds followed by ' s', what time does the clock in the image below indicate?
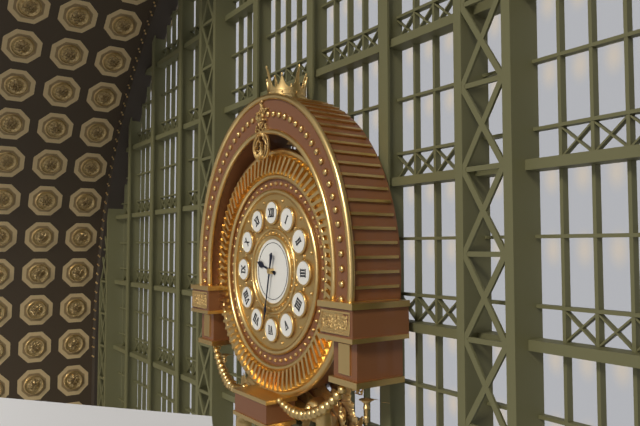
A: 9 h 32 min
